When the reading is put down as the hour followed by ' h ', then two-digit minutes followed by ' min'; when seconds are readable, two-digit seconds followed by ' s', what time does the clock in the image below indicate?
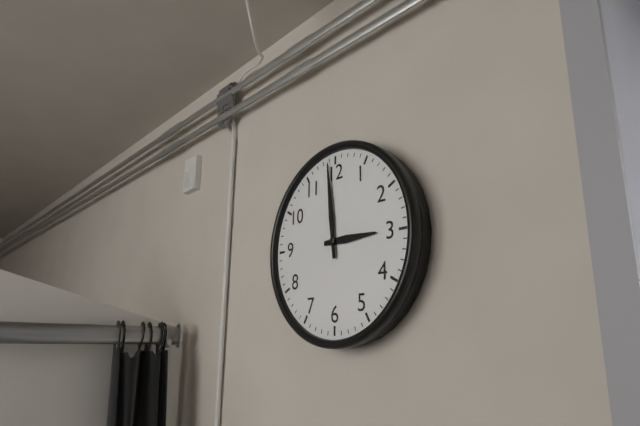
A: 2 h 59 min
